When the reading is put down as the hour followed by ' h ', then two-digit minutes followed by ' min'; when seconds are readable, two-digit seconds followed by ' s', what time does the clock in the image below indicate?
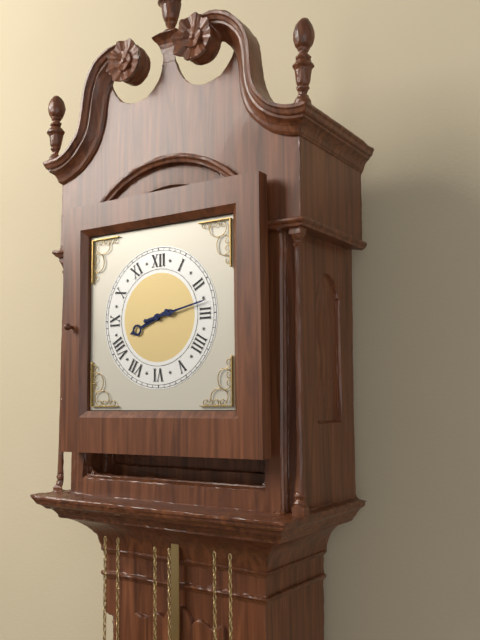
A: 8 h 13 min
